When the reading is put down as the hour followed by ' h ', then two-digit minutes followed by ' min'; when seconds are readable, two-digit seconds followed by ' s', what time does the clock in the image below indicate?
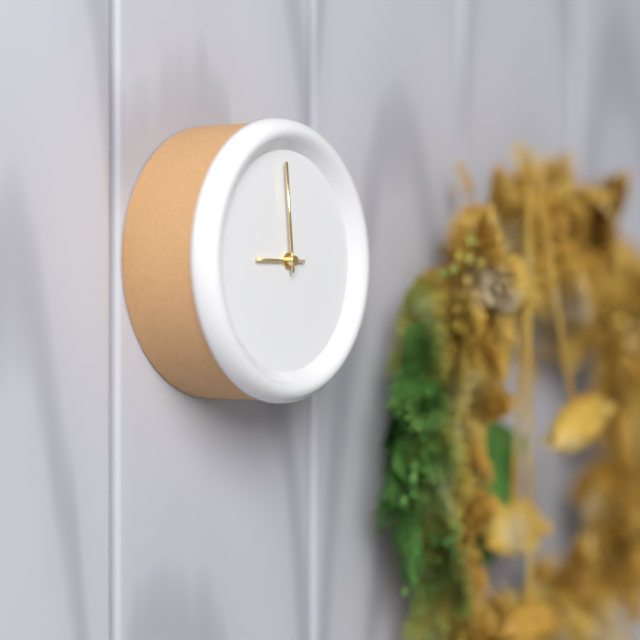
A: 8 h 59 min
